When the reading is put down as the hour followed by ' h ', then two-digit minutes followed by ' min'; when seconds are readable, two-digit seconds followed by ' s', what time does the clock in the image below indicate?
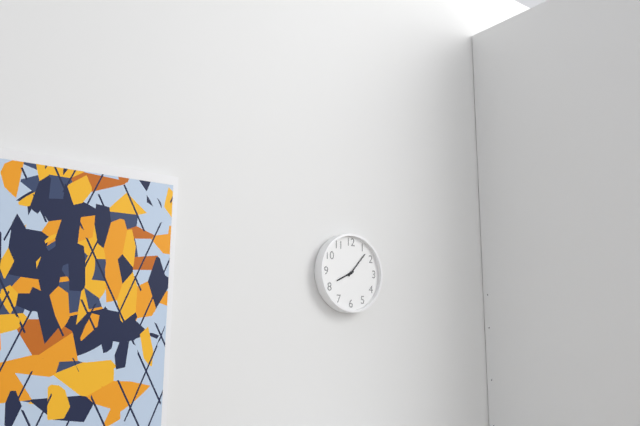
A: 8 h 07 min
